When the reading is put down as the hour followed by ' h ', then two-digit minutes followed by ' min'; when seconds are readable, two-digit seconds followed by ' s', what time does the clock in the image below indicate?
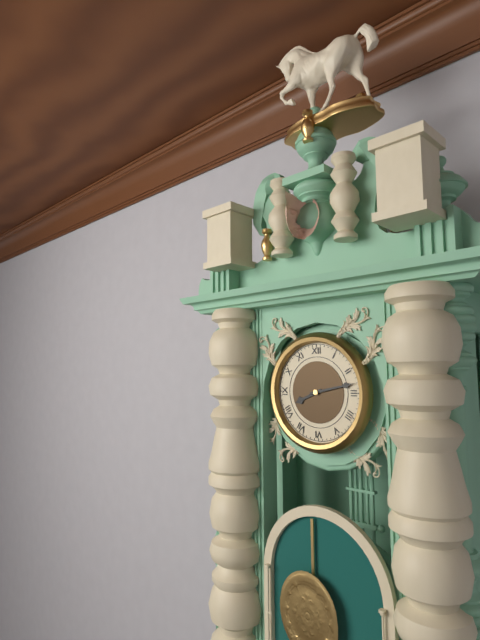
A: 8 h 13 min
